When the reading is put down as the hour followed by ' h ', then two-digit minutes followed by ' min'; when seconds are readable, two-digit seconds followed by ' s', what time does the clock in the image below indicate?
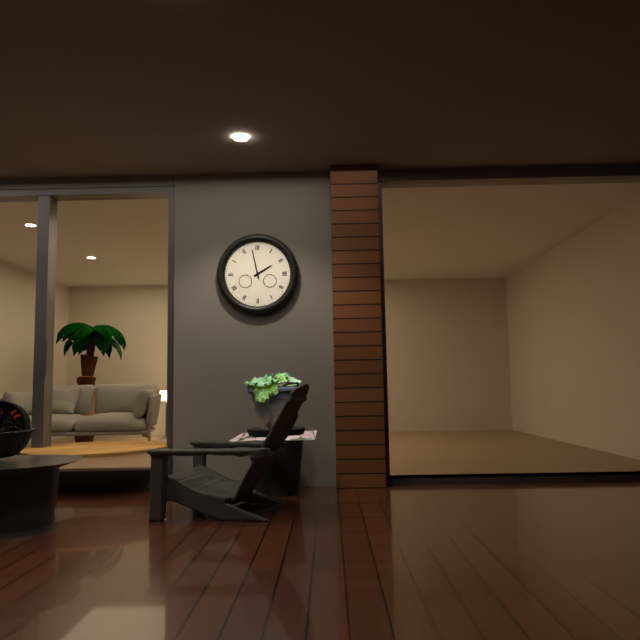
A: 1 h 58 min
